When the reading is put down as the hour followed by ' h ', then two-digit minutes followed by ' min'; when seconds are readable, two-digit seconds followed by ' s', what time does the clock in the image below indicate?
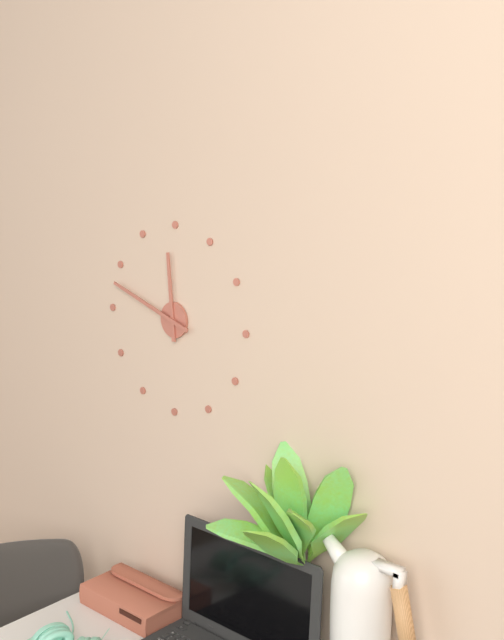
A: 11 h 48 min
